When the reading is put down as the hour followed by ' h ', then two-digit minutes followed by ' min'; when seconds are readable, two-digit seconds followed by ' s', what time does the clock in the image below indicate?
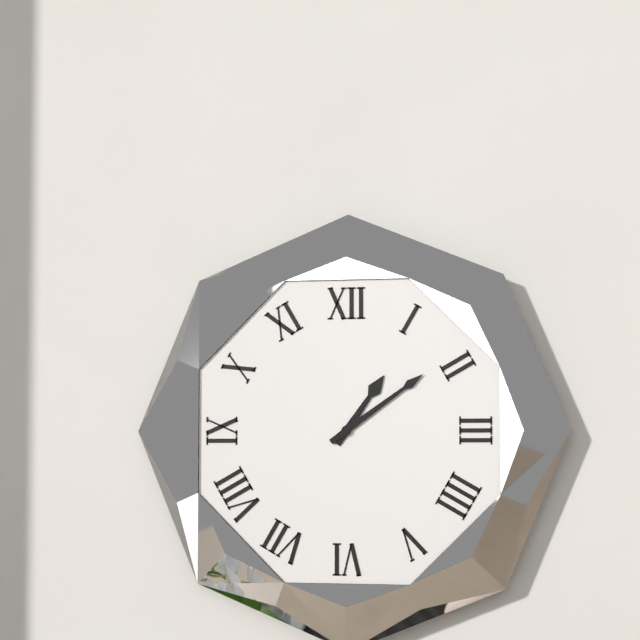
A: 1 h 09 min
